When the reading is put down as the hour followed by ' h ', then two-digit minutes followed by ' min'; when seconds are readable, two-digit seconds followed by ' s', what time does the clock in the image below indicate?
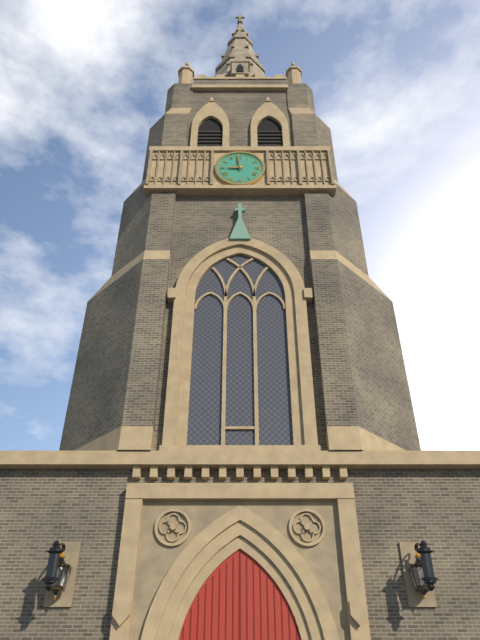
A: 8 h 59 min
